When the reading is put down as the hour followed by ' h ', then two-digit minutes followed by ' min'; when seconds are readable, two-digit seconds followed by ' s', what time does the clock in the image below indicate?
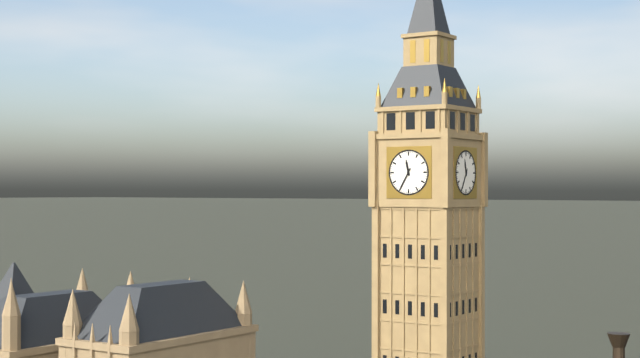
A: 11 h 35 min
